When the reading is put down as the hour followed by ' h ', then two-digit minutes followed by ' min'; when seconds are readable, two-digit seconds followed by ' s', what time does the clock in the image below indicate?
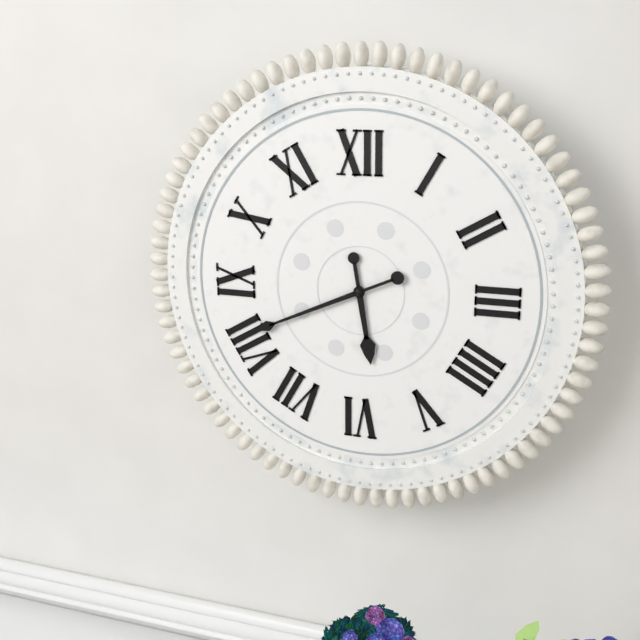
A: 5 h 41 min
